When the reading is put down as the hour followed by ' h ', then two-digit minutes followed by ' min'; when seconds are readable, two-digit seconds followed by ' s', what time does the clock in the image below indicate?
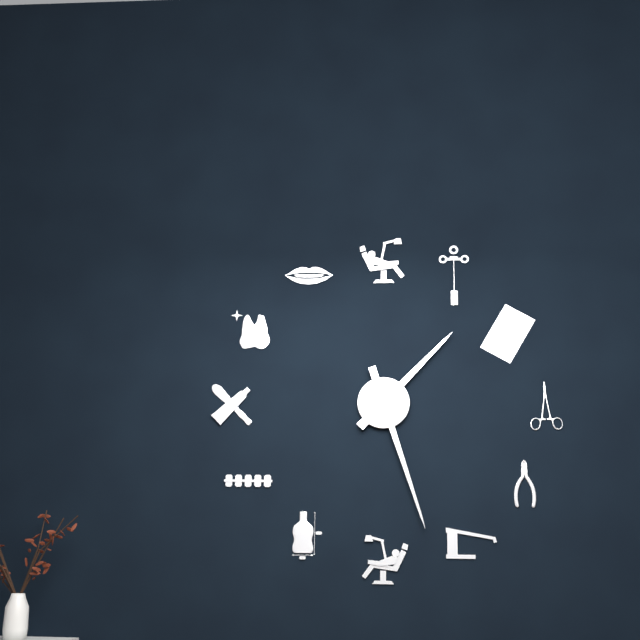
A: 1 h 27 min
